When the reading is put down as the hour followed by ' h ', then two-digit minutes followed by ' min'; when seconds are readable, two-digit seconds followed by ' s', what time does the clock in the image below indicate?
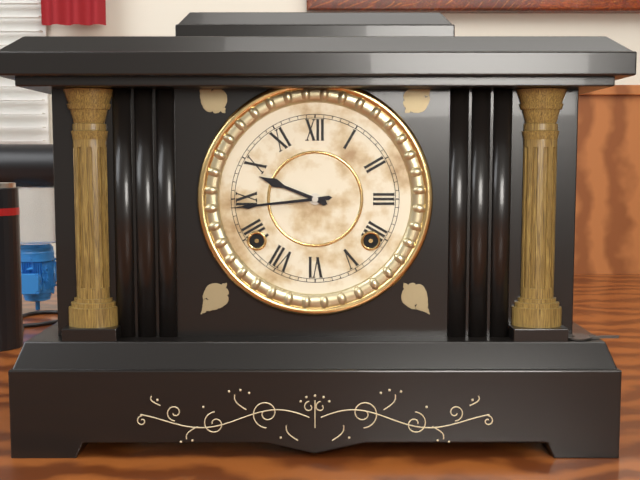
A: 9 h 44 min
